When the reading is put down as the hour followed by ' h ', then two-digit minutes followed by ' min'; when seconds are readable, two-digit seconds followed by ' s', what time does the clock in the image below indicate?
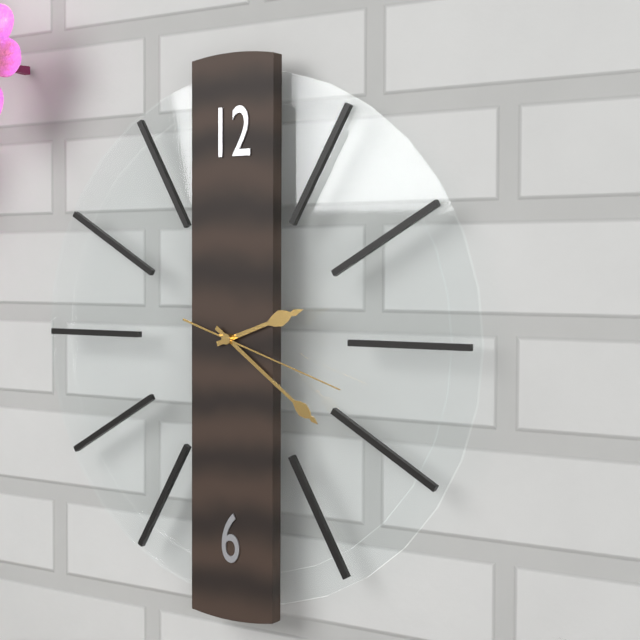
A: 2 h 21 min 18 s
